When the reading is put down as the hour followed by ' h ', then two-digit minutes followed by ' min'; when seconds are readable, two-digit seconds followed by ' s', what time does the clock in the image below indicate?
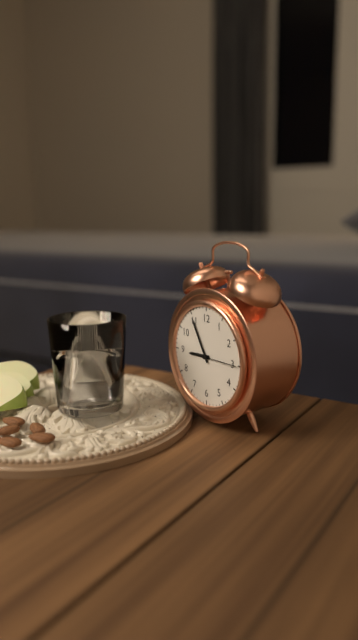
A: 8 h 55 min
